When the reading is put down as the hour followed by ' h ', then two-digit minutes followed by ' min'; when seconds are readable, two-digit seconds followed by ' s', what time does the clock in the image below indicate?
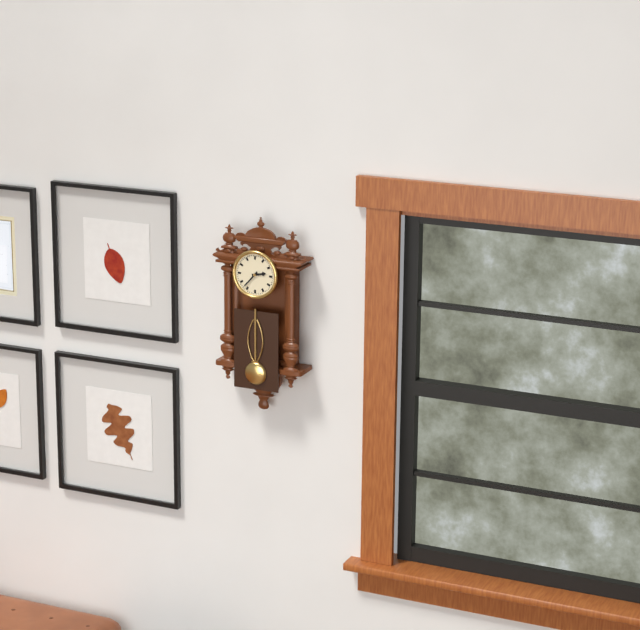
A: 2 h 37 min
